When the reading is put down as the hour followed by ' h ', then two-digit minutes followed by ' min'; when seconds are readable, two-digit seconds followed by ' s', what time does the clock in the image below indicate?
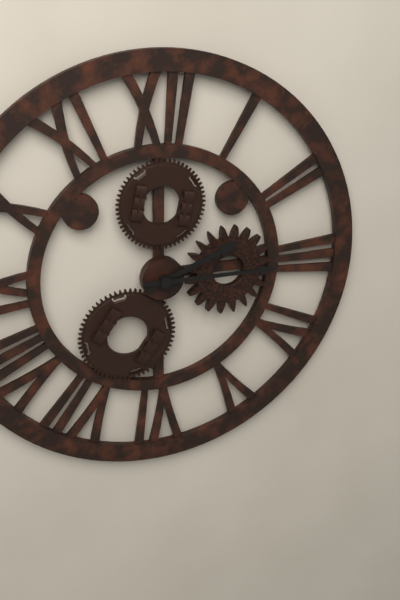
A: 2 h 15 min
